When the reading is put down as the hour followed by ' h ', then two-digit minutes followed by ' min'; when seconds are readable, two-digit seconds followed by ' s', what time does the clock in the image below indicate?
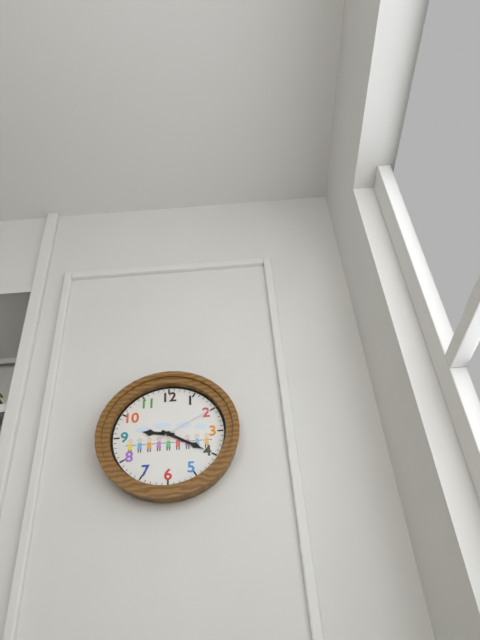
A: 9 h 20 min 10 s
